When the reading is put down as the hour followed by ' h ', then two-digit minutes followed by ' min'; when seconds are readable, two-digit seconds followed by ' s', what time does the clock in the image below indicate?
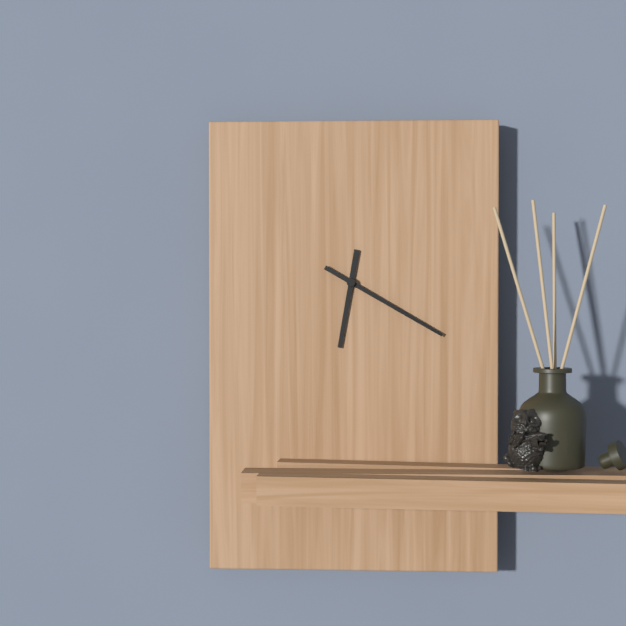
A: 6 h 20 min
